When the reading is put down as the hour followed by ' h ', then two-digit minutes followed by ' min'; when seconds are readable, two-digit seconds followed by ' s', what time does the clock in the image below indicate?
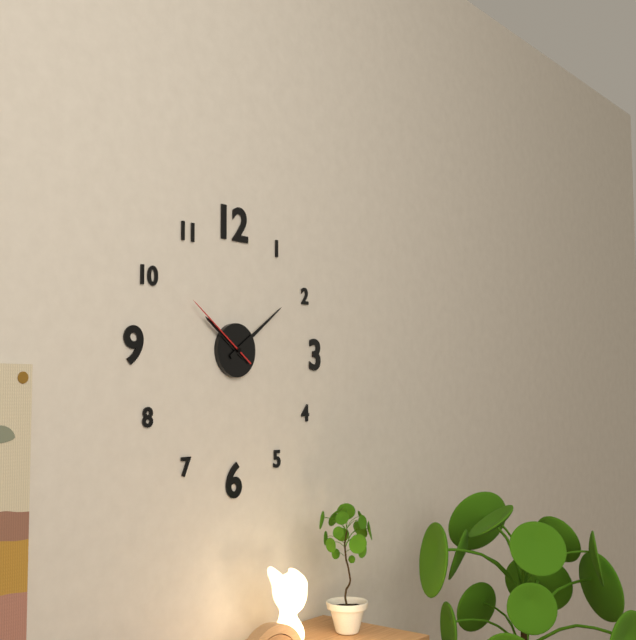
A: 10 h 09 min 51 s
